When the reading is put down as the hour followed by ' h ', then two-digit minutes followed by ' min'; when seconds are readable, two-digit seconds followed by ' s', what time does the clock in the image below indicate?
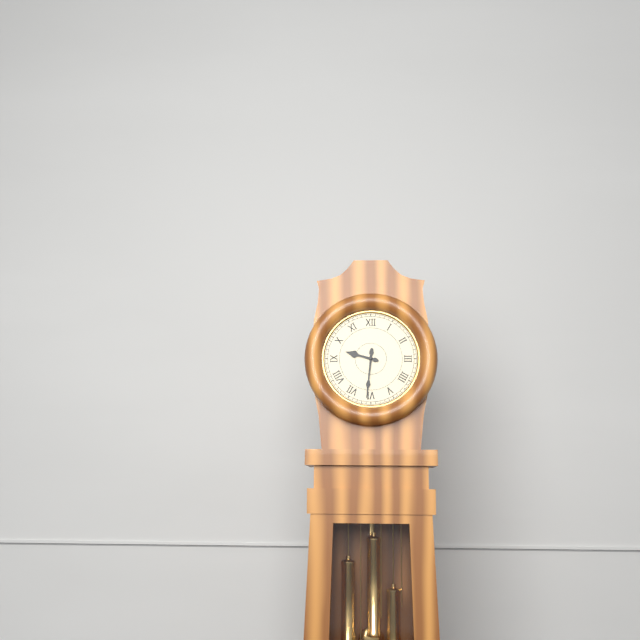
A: 9 h 31 min
